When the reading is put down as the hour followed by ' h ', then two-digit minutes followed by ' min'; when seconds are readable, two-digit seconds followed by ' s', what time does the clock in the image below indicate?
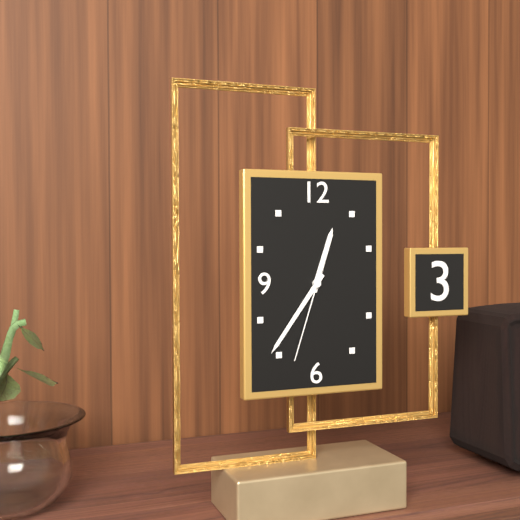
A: 12 h 36 min 33 s
